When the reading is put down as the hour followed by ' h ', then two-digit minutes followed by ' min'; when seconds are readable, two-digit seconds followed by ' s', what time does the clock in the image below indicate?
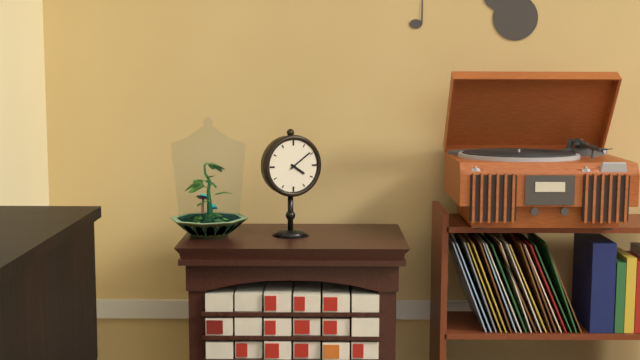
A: 4 h 09 min
